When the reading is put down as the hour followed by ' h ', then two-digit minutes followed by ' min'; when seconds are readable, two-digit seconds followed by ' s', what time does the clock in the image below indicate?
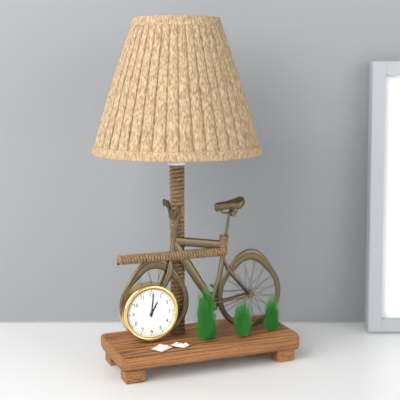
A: 1 h 01 min
